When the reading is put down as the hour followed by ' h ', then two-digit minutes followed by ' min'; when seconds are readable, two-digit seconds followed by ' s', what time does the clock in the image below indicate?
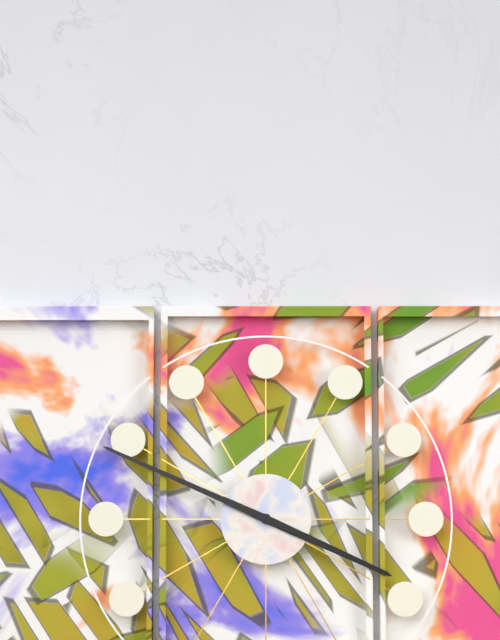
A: 3 h 49 min
